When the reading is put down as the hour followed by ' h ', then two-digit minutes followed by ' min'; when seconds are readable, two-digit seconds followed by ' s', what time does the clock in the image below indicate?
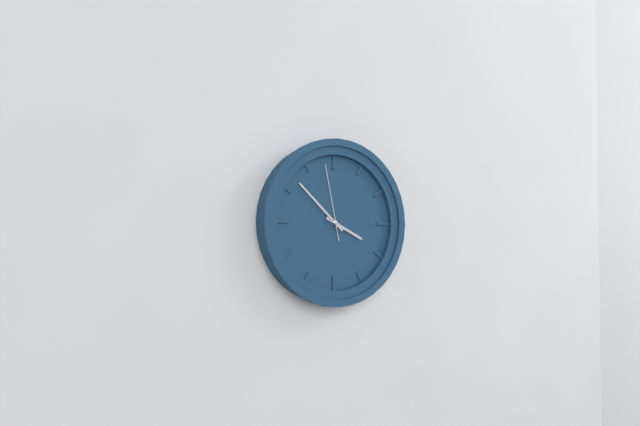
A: 3 h 52 min 58 s
